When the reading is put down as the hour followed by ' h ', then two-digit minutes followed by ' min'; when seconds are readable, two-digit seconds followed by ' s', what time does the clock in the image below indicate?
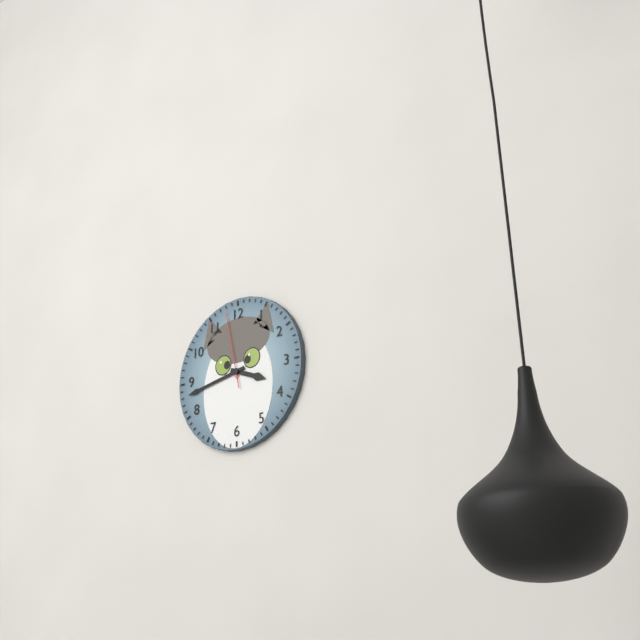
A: 3 h 43 min 58 s
